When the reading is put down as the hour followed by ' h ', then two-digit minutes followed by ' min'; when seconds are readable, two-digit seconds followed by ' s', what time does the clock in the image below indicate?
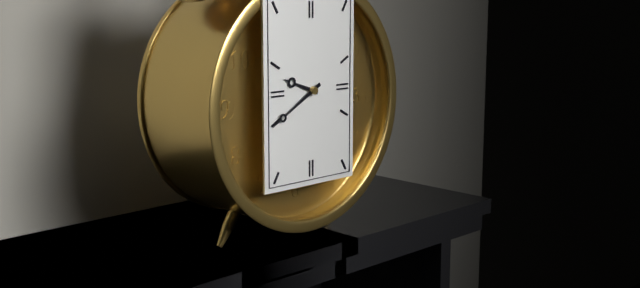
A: 9 h 40 min
